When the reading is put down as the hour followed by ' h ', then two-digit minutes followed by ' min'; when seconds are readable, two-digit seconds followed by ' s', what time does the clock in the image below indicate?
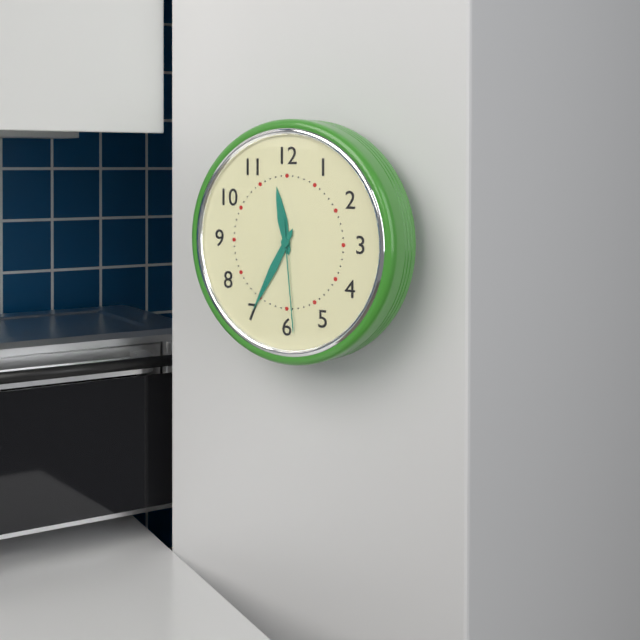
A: 11 h 35 min 29 s
